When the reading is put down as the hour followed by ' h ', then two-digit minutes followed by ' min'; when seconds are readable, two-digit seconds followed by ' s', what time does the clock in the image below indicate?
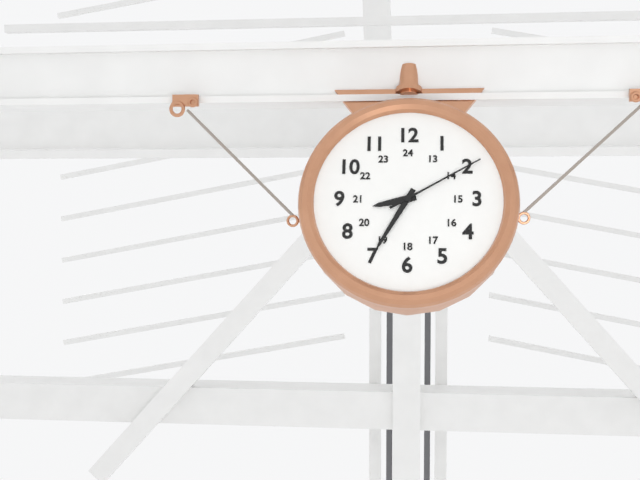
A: 8 h 35 min 10 s
